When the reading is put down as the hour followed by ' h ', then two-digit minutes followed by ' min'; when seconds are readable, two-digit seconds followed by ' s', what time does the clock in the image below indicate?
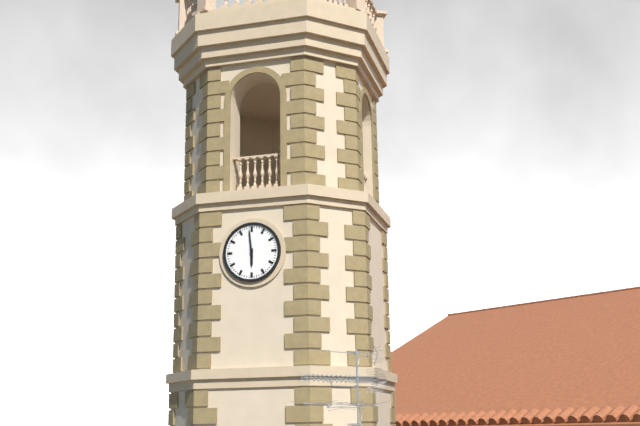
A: 5 h 59 min
